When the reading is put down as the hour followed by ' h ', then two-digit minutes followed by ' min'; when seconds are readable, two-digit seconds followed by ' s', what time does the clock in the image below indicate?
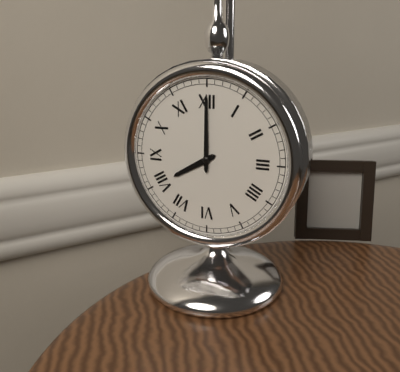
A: 8 h 00 min
